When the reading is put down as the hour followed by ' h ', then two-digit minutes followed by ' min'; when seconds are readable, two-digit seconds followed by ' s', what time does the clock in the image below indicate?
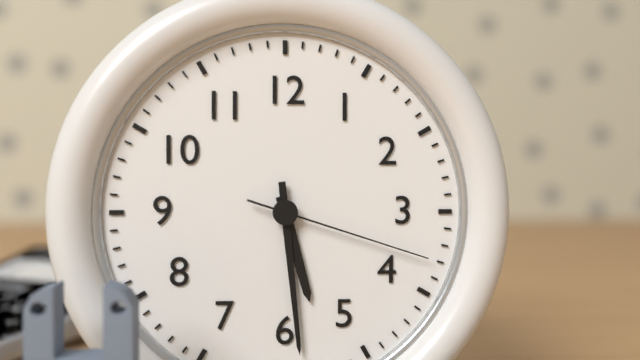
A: 5 h 29 min 18 s
